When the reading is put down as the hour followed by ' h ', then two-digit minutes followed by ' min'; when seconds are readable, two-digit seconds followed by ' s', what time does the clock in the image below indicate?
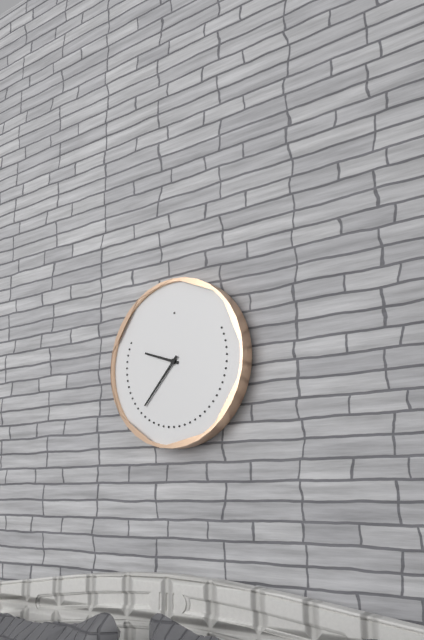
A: 9 h 37 min
